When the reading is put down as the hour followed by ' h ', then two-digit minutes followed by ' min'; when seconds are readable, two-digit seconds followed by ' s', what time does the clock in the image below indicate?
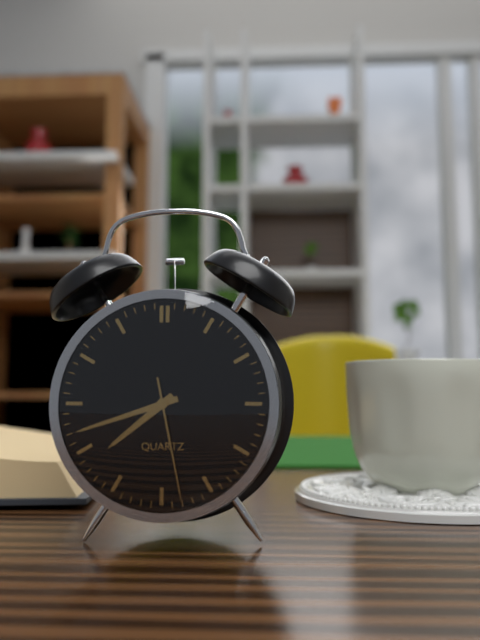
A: 7 h 42 min 28 s
